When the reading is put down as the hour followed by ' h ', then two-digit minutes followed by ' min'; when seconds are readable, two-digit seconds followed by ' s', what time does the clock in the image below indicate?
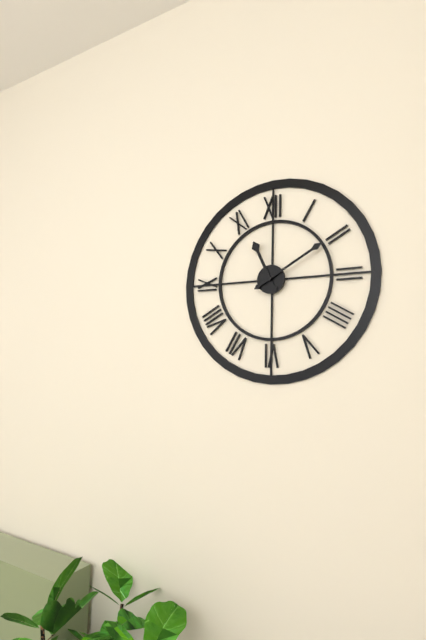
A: 11 h 10 min
